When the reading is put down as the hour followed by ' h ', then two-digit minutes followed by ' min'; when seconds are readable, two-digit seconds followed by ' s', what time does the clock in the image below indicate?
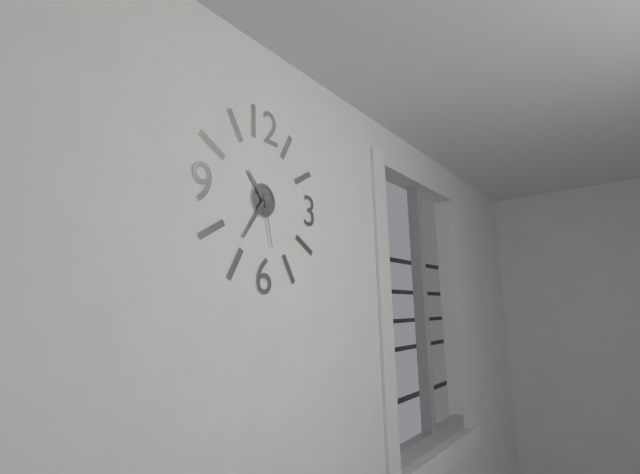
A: 10 h 36 min 28 s
